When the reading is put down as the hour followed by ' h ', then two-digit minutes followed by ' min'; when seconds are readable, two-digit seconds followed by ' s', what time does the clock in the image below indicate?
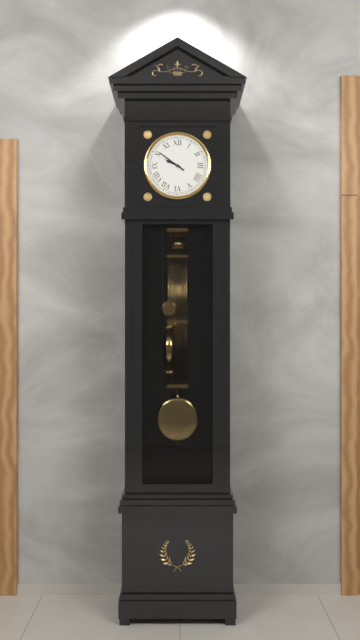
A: 9 h 51 min
